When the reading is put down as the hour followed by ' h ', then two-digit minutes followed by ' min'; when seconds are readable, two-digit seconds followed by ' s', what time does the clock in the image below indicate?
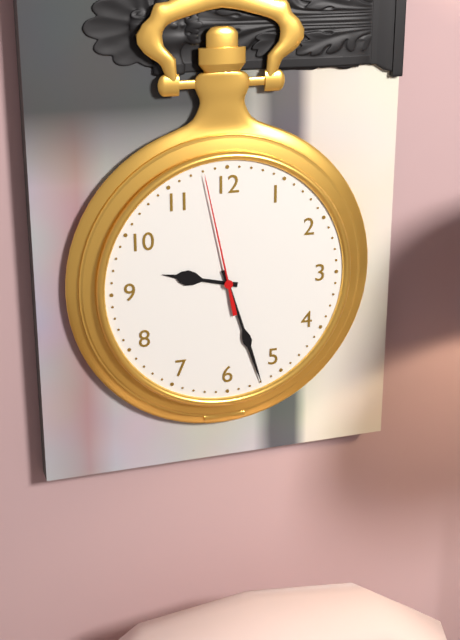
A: 9 h 27 min 58 s
